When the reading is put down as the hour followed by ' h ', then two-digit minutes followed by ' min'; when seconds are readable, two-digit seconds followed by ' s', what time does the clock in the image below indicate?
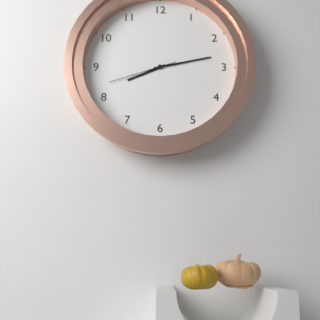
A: 8 h 13 min 42 s
